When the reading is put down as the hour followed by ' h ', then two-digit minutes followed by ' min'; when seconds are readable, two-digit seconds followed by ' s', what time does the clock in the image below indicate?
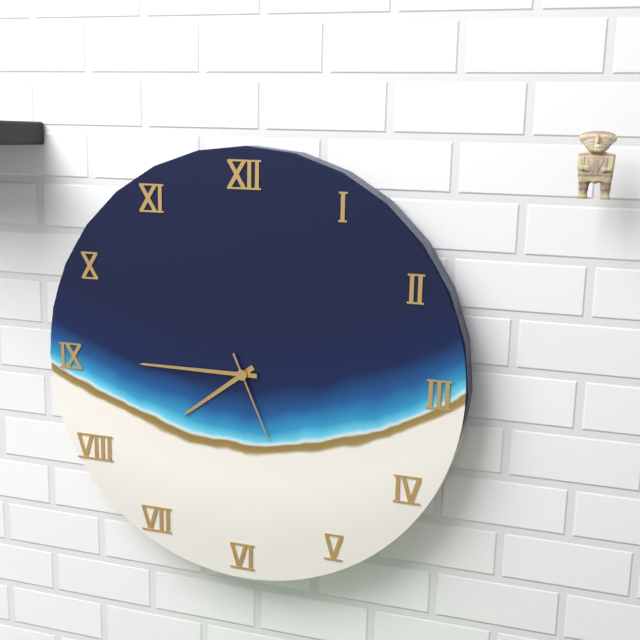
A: 7 h 45 min 26 s
